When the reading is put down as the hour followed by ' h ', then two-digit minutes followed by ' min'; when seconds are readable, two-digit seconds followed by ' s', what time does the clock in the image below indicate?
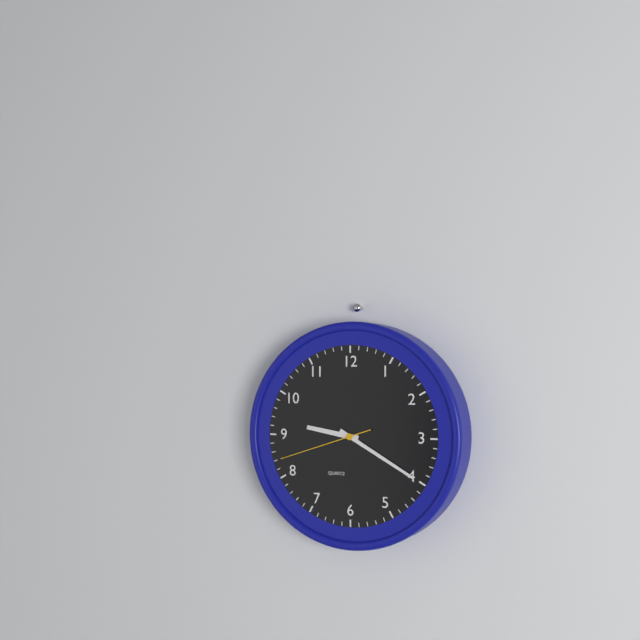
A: 9 h 20 min 42 s
